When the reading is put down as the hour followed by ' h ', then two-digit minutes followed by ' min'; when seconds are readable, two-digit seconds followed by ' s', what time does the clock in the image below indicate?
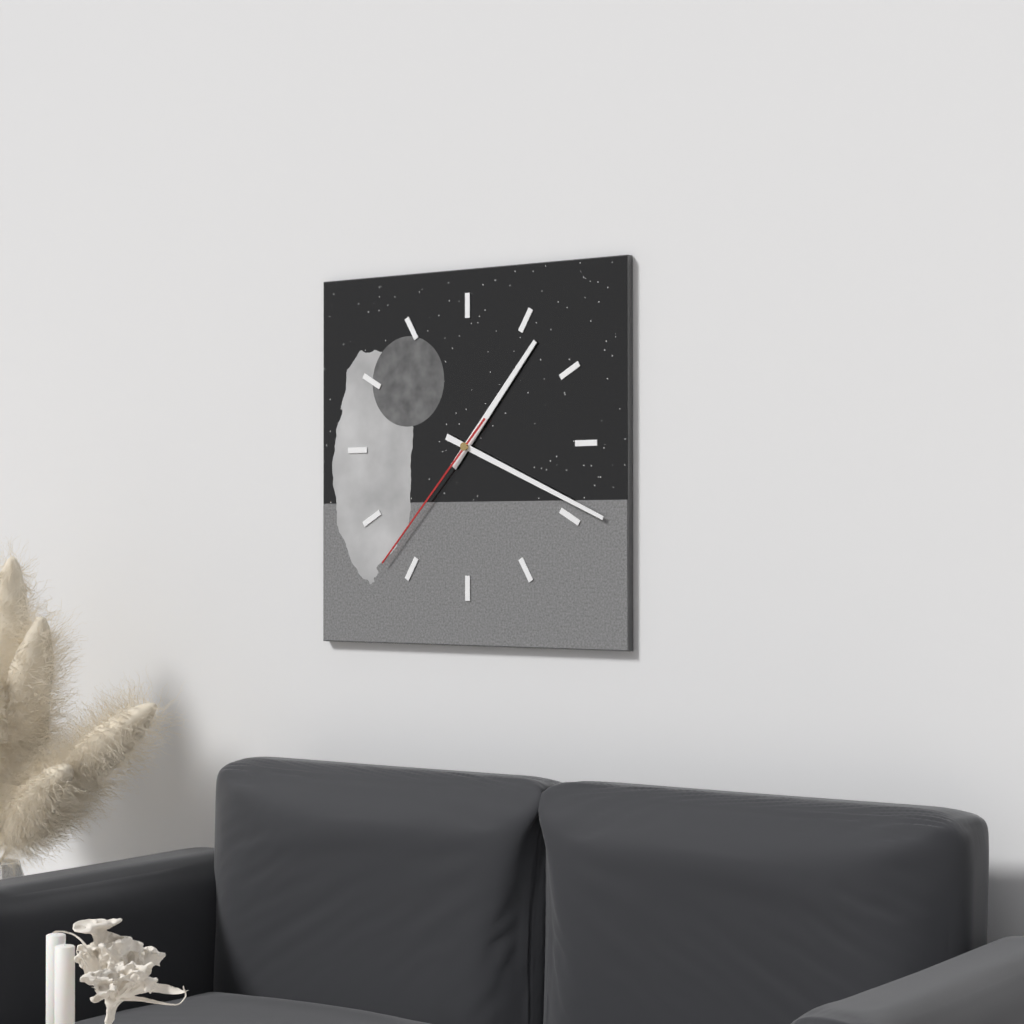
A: 1 h 19 min 37 s
